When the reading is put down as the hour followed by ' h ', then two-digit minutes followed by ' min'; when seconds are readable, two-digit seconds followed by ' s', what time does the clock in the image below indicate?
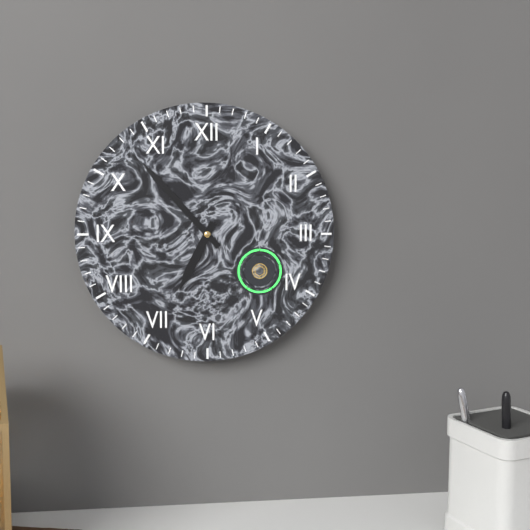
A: 6 h 53 min
